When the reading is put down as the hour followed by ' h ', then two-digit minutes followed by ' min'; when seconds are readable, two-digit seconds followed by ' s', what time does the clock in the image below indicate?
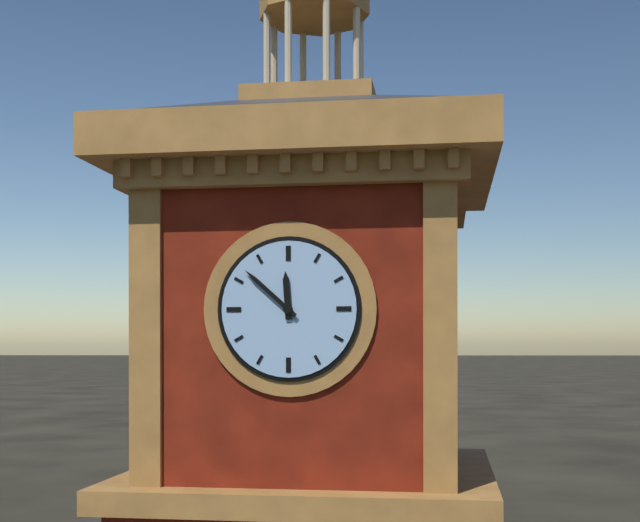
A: 11 h 52 min
